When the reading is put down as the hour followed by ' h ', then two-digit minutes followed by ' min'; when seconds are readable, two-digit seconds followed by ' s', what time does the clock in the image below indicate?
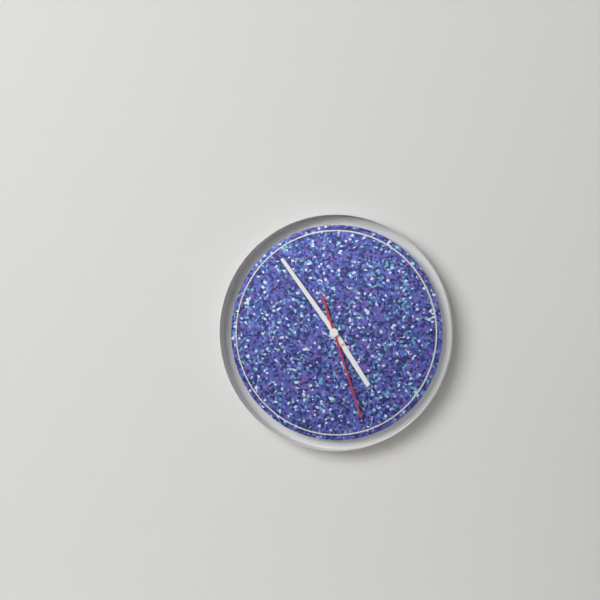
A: 4 h 54 min 27 s
